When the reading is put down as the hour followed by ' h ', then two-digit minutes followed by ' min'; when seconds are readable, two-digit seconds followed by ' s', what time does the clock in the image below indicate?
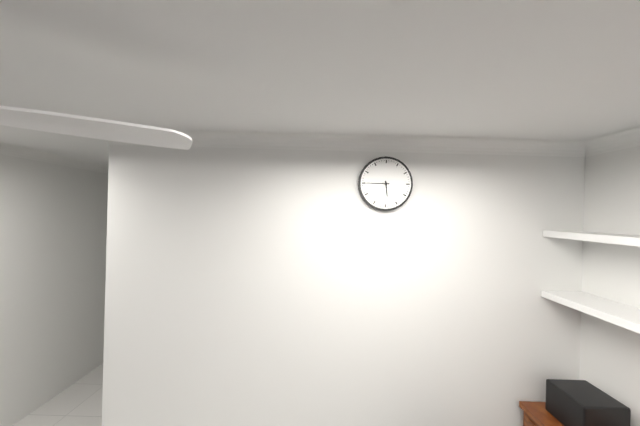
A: 5 h 45 min
